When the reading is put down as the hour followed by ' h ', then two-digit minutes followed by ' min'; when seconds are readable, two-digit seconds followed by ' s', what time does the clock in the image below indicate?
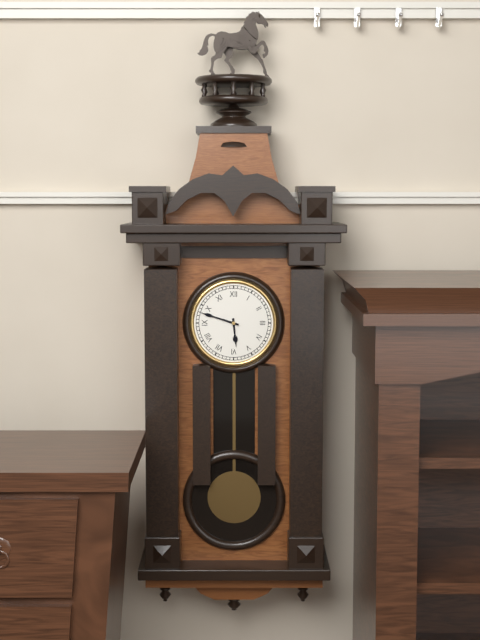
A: 5 h 48 min
